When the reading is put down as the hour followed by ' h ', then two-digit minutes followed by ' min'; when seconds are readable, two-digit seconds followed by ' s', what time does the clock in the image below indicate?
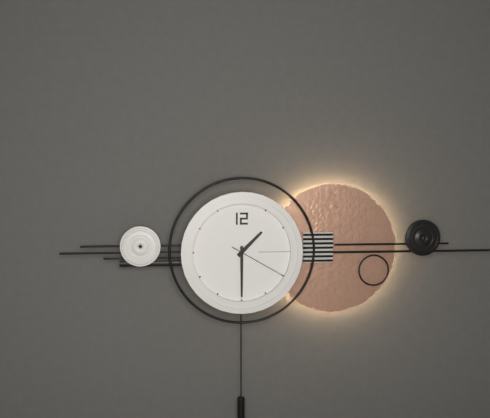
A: 1 h 30 min 20 s
